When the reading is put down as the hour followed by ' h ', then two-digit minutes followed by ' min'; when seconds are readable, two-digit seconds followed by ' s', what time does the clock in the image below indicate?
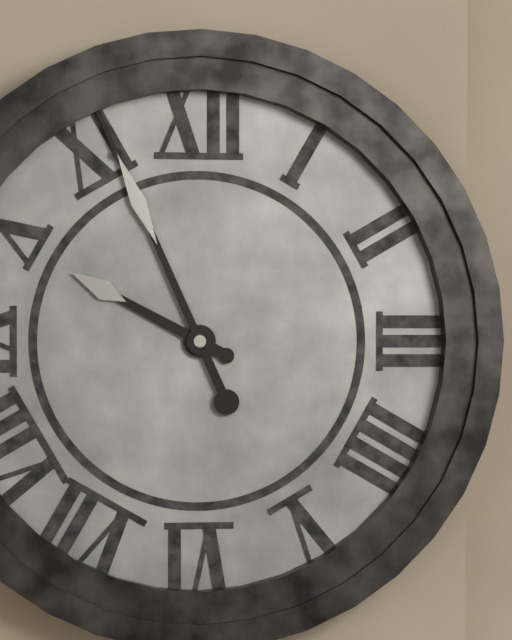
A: 9 h 56 min
